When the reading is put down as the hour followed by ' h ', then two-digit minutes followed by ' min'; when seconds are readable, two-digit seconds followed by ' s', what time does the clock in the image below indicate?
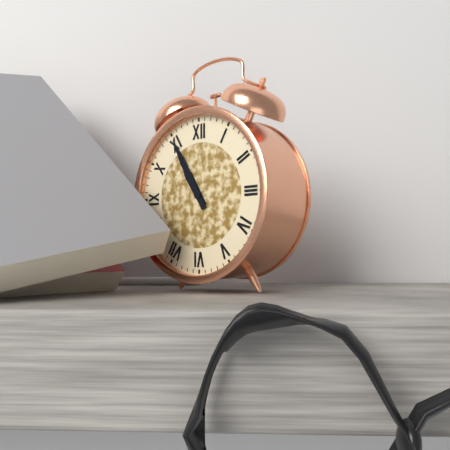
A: 10 h 55 min
